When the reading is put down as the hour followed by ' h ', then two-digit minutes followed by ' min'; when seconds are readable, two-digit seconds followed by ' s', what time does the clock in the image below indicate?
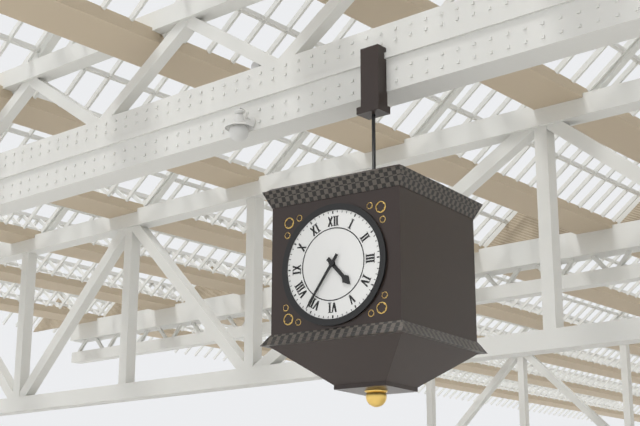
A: 4 h 36 min
